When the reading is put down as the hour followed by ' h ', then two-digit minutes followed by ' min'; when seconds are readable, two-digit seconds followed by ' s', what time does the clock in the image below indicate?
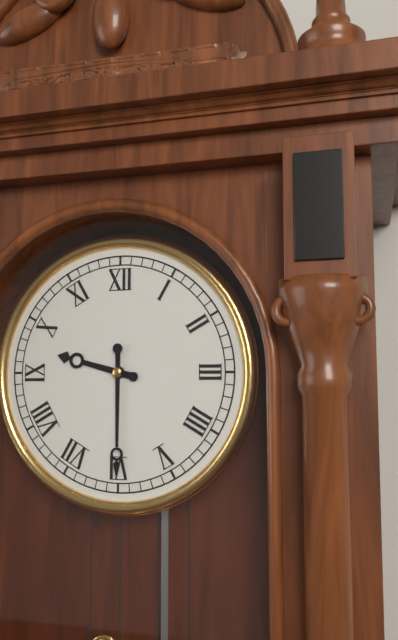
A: 9 h 30 min
